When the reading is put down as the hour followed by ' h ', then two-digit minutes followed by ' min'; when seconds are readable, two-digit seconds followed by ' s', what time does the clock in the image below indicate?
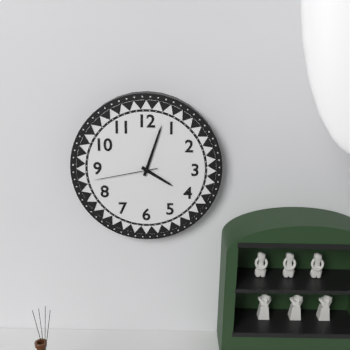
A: 4 h 03 min 43 s
